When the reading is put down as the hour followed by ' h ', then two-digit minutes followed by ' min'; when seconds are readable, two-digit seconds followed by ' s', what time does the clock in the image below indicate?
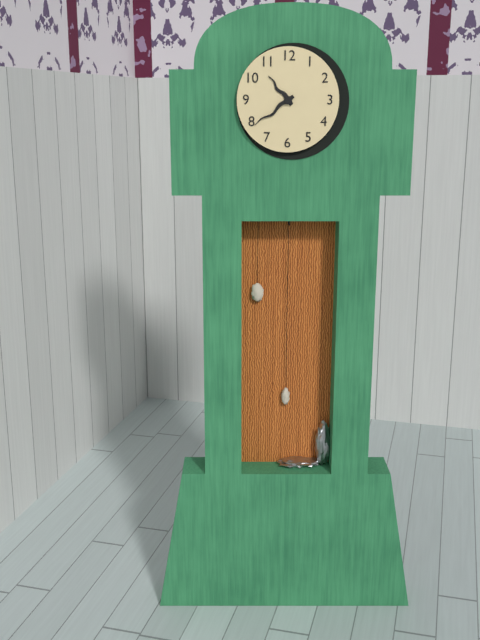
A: 10 h 39 min
